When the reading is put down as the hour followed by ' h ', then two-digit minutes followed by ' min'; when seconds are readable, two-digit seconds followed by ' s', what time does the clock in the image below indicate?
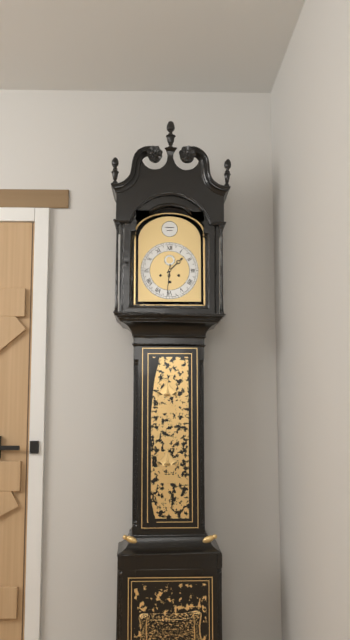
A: 1 h 31 min
